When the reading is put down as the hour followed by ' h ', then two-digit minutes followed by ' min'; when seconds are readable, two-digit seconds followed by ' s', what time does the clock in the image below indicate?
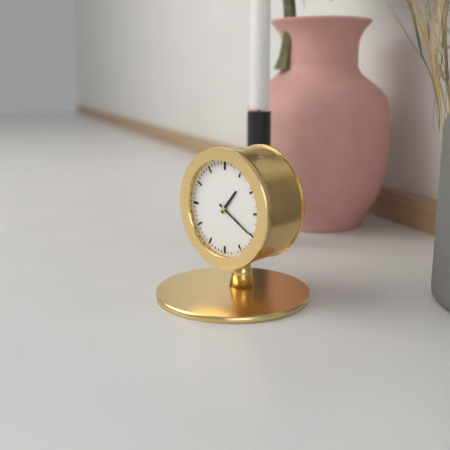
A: 1 h 20 min
